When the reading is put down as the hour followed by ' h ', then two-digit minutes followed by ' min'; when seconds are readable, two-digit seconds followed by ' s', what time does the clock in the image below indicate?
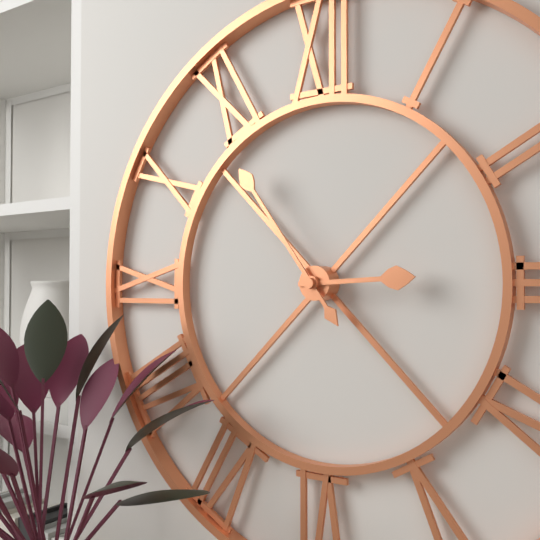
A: 2 h 54 min
